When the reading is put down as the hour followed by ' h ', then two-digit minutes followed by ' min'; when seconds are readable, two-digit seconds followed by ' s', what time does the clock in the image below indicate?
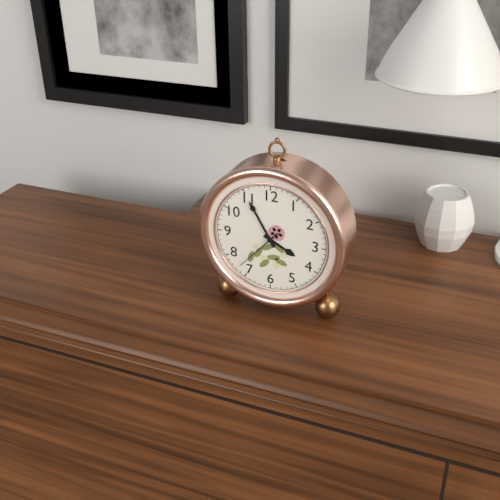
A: 3 h 55 min
